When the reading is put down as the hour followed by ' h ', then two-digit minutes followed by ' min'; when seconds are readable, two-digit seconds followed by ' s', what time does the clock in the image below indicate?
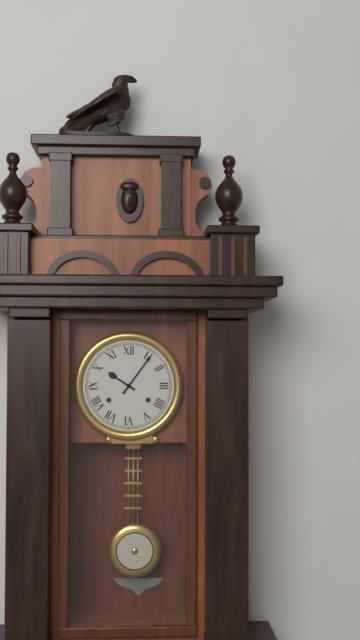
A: 10 h 06 min
